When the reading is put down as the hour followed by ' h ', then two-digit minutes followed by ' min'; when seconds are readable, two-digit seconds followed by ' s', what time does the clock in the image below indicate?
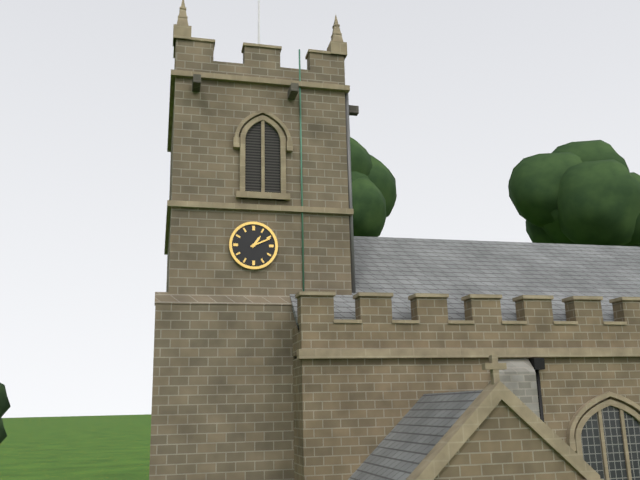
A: 1 h 11 min
